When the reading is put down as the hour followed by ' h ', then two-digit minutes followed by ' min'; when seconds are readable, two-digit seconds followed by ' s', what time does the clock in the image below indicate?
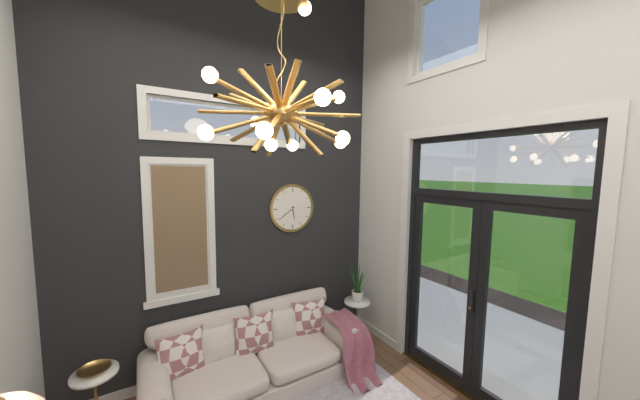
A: 5 h 39 min
